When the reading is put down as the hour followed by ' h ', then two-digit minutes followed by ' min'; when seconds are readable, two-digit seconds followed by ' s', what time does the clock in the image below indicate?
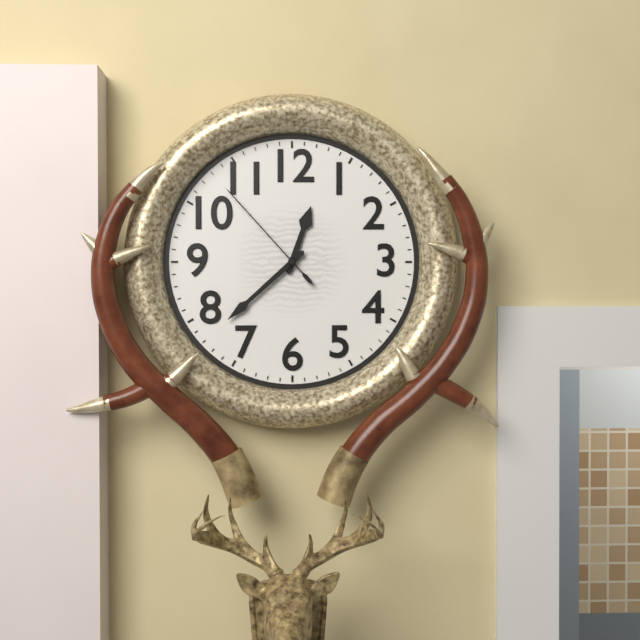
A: 12 h 38 min 53 s
